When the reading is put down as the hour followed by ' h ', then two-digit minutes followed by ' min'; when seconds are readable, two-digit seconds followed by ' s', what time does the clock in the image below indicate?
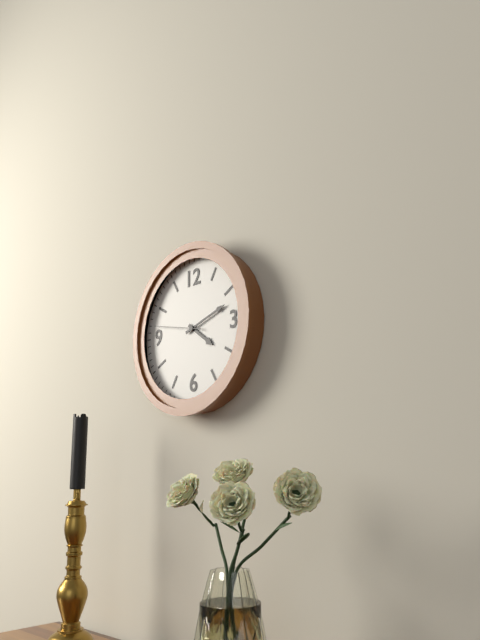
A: 4 h 12 min 47 s
